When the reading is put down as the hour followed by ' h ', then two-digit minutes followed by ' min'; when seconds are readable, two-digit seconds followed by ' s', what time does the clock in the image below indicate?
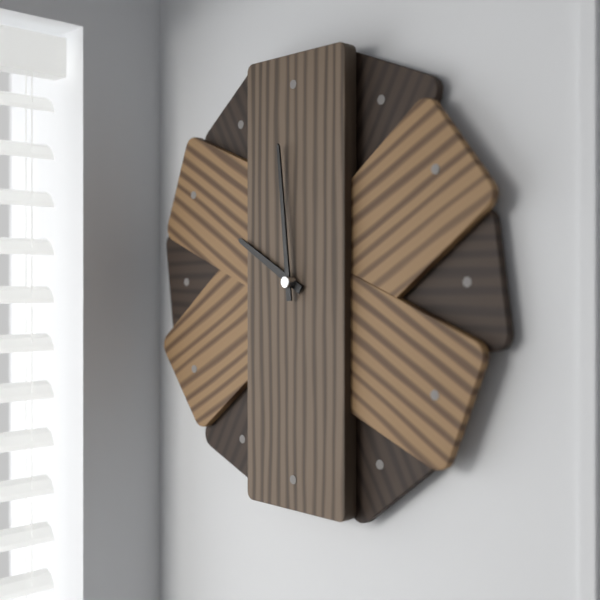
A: 9 h 59 min
